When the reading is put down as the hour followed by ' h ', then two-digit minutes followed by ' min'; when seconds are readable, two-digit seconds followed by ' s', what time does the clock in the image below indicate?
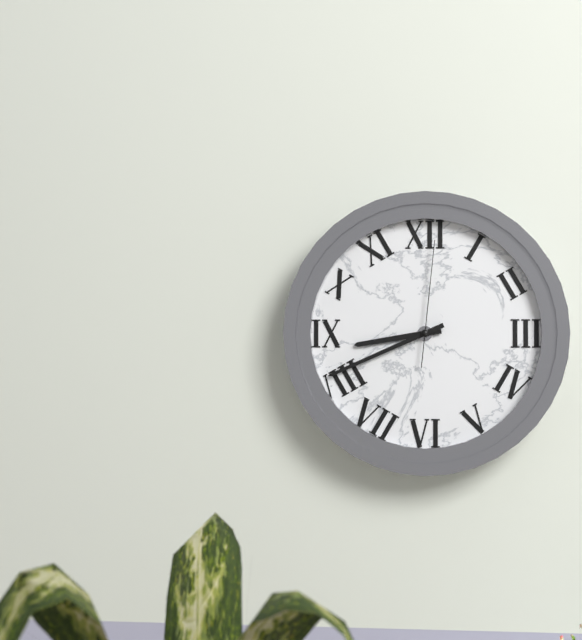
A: 8 h 41 min 01 s
